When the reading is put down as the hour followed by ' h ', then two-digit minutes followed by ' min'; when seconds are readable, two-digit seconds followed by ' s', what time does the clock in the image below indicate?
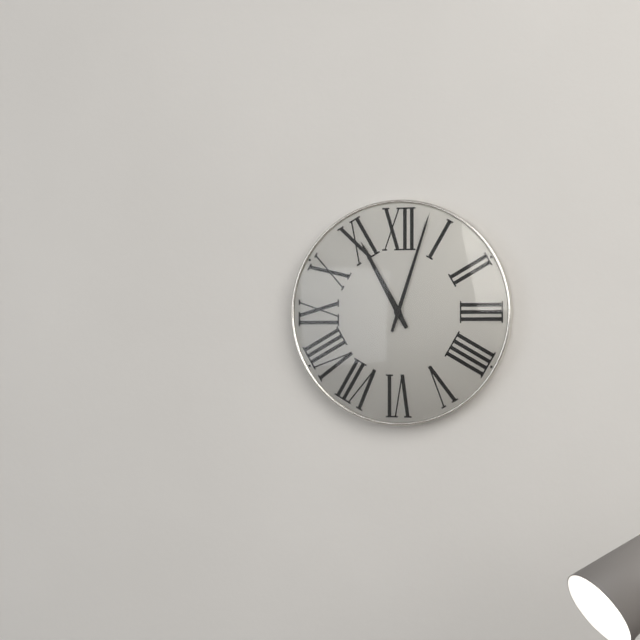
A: 11 h 03 min
